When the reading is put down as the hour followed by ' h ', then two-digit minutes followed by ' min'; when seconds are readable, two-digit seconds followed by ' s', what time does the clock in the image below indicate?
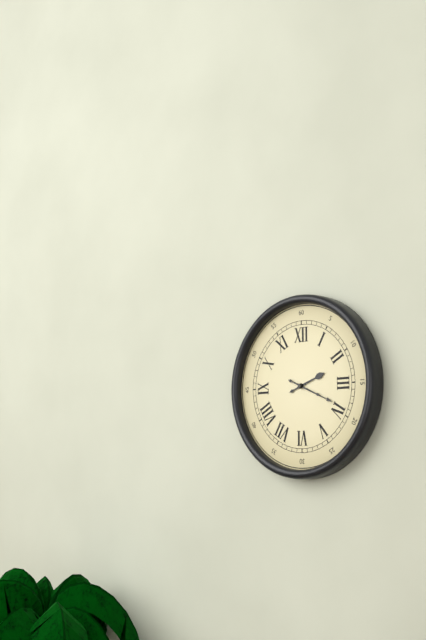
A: 2 h 19 min
